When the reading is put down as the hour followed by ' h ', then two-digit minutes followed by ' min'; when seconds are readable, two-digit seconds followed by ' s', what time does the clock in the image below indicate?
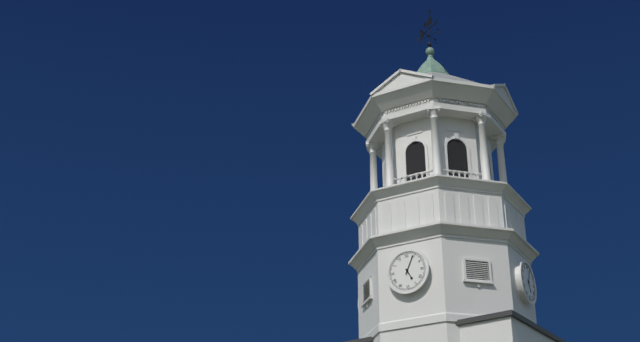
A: 5 h 04 min
